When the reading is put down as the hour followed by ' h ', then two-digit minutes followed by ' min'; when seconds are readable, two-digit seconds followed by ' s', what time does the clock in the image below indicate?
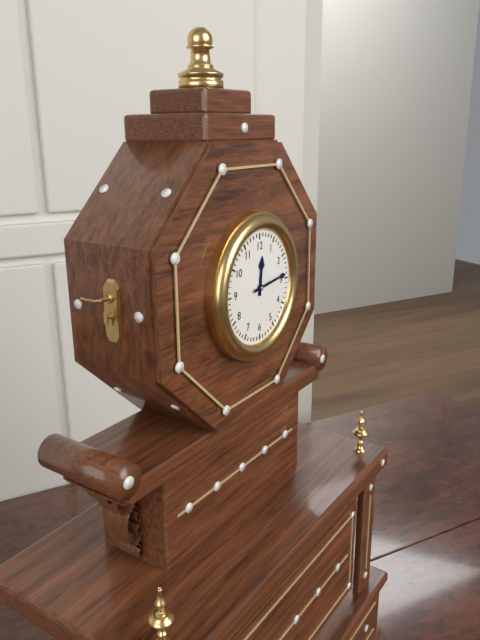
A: 12 h 14 min
